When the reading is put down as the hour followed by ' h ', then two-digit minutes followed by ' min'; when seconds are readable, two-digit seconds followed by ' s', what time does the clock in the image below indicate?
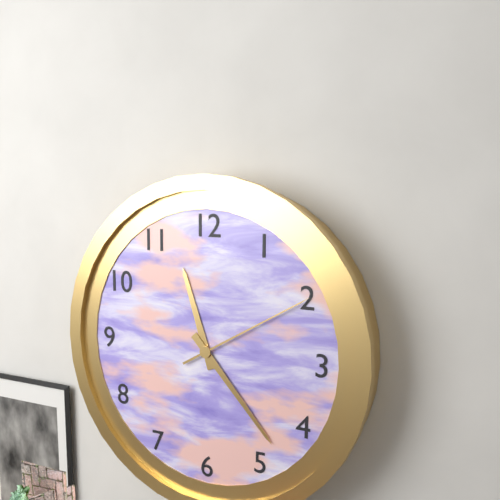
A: 11 h 23 min 10 s
